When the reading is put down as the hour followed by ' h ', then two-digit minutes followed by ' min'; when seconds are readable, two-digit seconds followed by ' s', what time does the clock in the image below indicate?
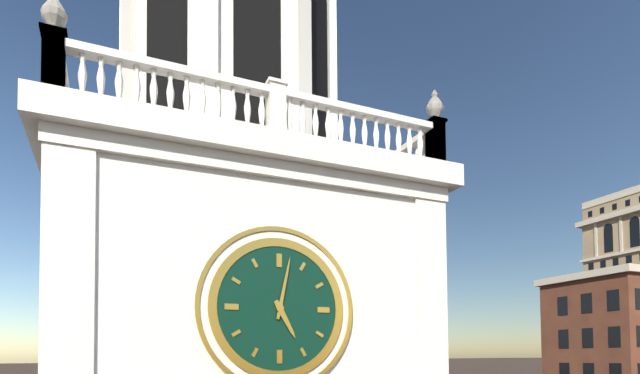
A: 5 h 02 min
